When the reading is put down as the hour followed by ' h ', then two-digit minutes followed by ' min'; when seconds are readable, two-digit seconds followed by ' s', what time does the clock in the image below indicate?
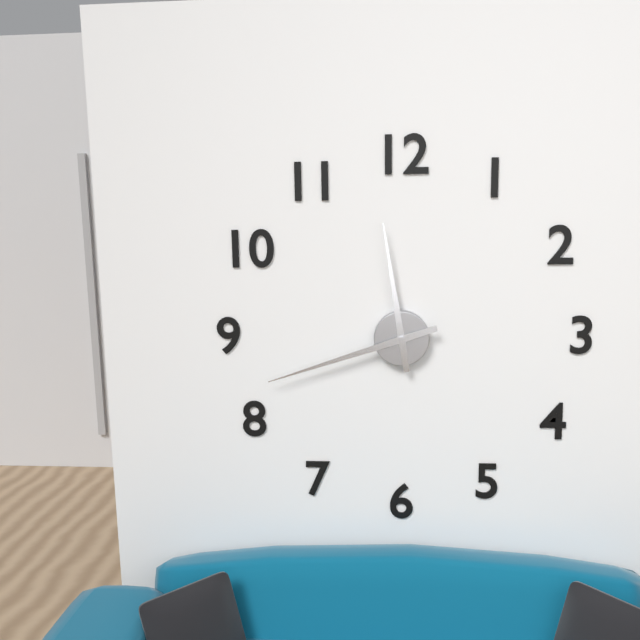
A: 11 h 42 min
